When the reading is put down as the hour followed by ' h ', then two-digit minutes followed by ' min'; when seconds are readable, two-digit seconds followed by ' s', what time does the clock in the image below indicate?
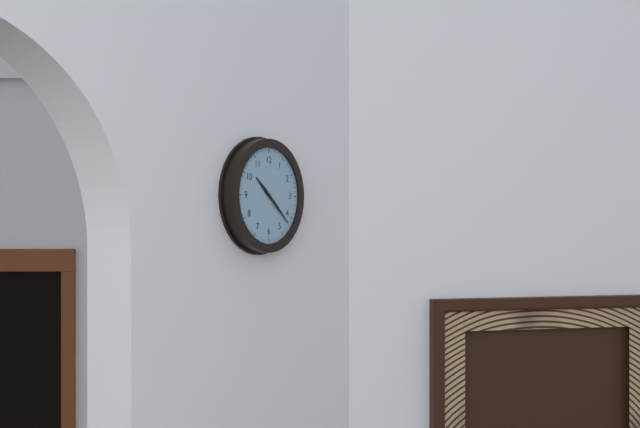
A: 10 h 22 min
